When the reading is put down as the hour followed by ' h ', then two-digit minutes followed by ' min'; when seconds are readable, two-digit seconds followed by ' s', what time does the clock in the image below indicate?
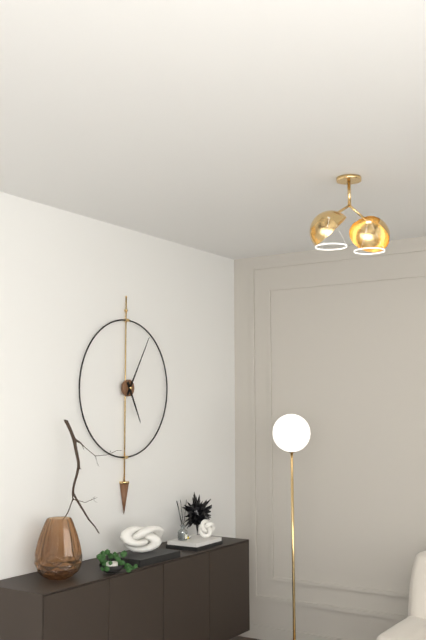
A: 5 h 05 min
